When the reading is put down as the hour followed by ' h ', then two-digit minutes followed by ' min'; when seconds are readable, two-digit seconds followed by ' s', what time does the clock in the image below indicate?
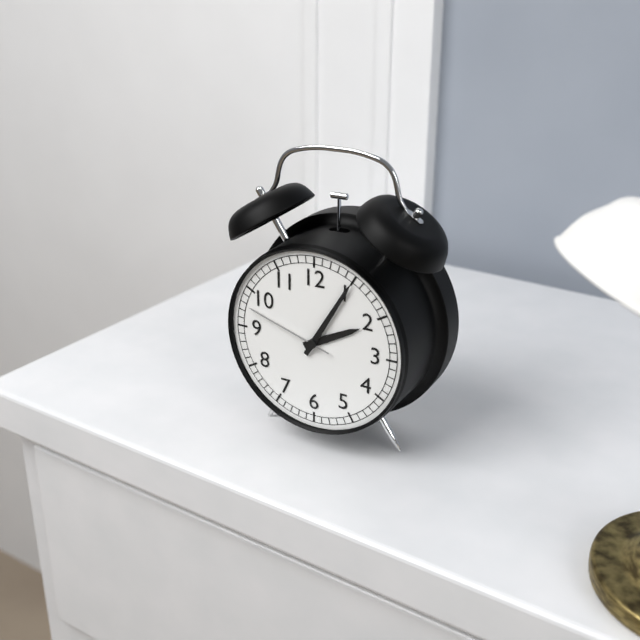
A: 2 h 05 min 48 s
